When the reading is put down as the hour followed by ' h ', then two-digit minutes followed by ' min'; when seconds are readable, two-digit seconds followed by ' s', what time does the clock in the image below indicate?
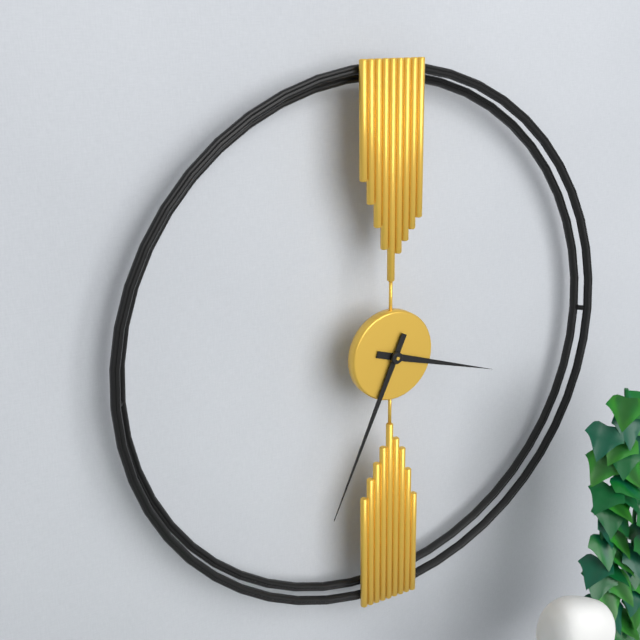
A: 3 h 34 min
